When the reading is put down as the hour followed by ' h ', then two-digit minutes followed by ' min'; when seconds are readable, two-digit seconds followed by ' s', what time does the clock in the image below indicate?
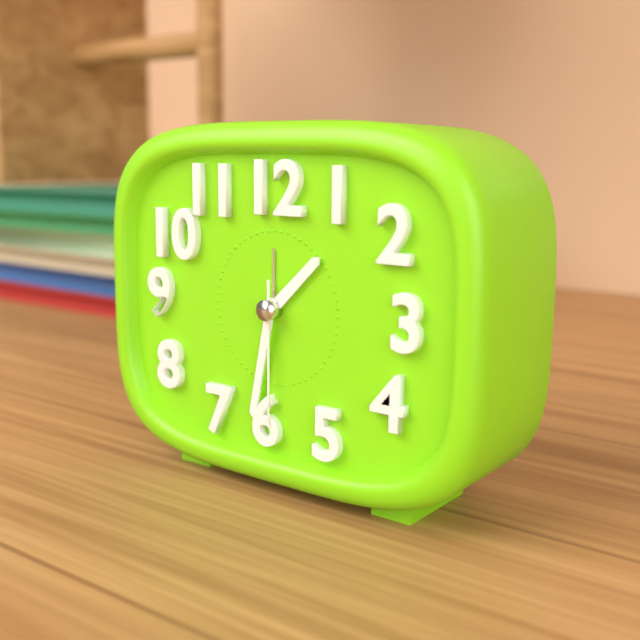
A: 1 h 32 min 30 s
